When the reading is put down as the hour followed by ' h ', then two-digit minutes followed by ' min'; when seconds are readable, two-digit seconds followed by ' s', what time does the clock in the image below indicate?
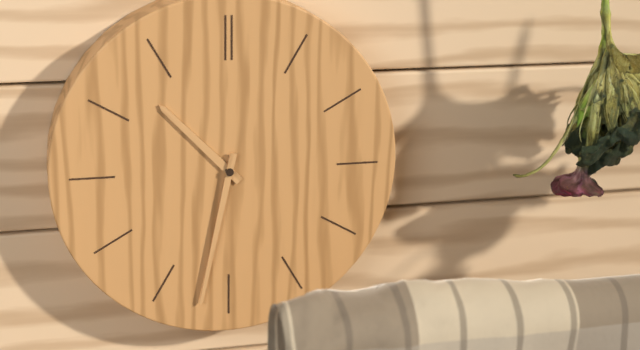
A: 10 h 32 min
